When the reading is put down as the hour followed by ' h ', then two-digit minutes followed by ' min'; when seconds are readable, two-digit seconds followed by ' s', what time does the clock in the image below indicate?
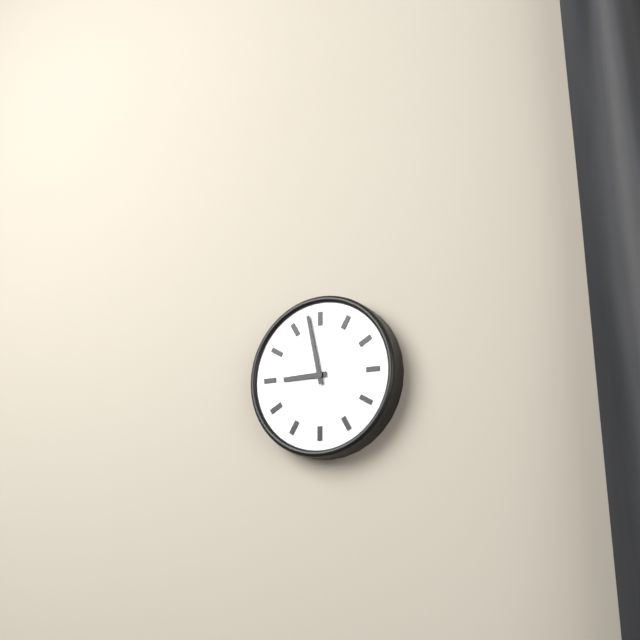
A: 8 h 58 min
